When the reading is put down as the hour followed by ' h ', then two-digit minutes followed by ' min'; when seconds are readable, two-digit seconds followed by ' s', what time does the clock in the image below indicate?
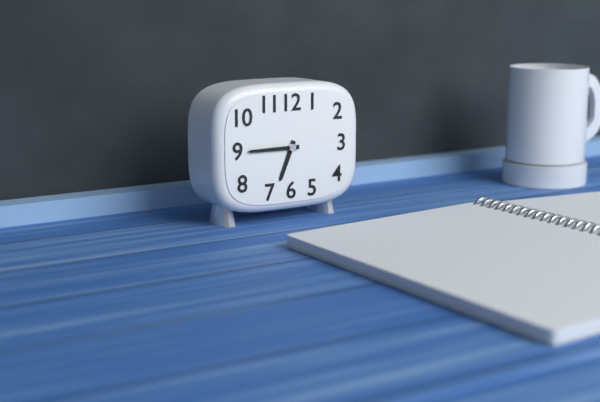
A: 6 h 45 min
